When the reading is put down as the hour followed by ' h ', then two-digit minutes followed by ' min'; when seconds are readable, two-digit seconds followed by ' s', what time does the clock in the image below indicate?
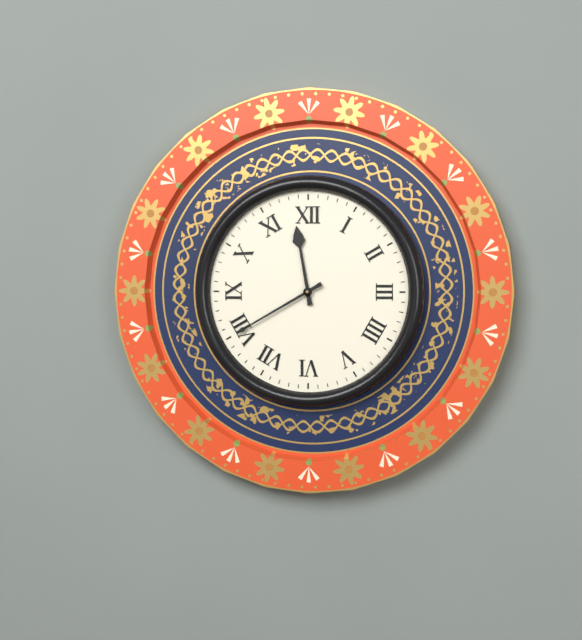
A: 11 h 40 min
